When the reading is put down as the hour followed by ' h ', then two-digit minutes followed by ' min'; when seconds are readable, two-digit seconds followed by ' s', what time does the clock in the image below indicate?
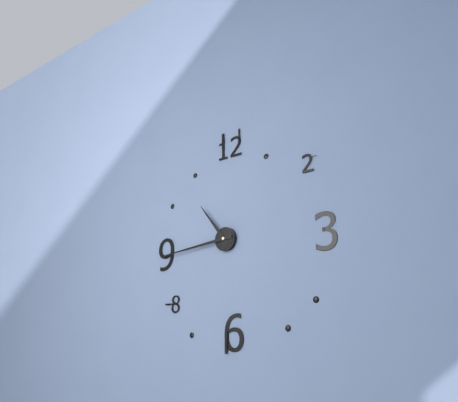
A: 10 h 44 min
